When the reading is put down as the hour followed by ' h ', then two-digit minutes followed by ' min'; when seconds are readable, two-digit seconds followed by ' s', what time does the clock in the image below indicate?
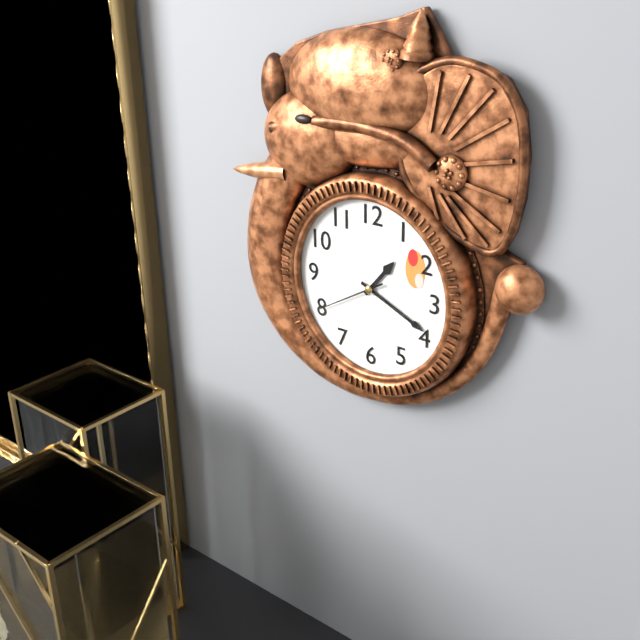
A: 1 h 19 min 40 s
